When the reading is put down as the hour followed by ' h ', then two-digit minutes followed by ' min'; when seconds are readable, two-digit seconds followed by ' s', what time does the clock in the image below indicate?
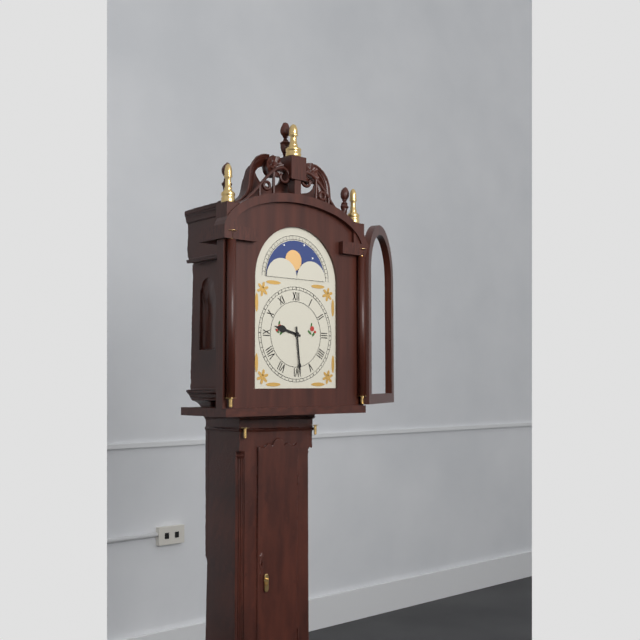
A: 9 h 29 min
